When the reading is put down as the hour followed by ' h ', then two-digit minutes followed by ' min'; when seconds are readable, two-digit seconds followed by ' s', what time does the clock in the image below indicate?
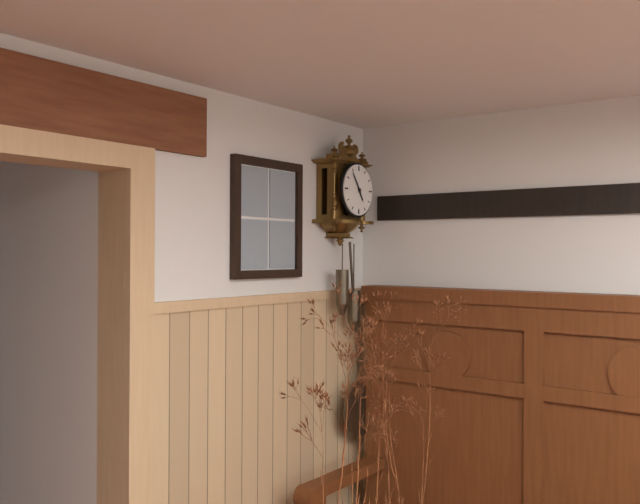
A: 4 h 54 min
